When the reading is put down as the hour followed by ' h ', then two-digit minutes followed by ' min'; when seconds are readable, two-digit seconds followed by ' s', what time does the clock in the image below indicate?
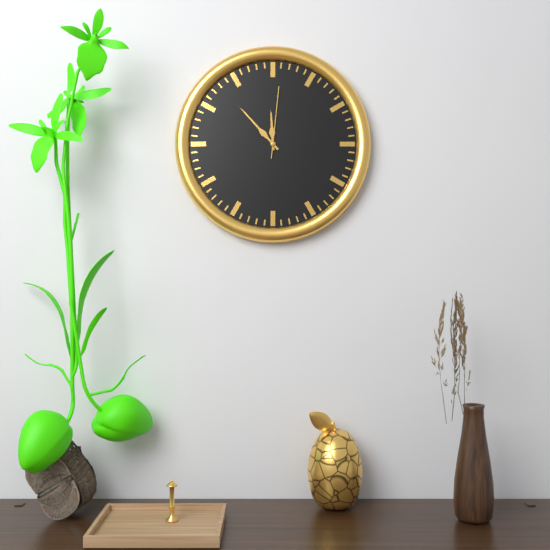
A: 11 h 53 min 01 s
